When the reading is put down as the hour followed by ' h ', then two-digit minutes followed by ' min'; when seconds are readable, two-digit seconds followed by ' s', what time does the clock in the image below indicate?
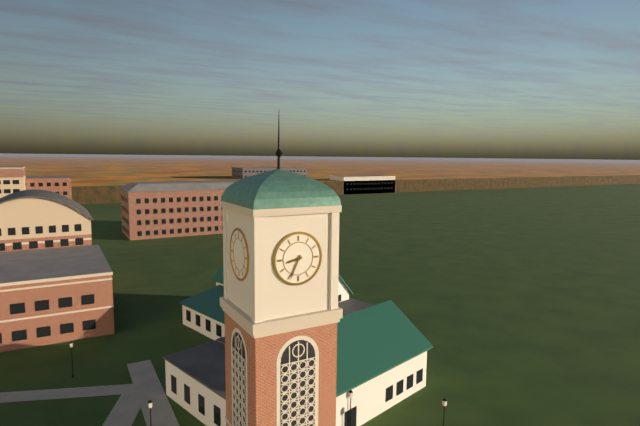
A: 8 h 34 min
